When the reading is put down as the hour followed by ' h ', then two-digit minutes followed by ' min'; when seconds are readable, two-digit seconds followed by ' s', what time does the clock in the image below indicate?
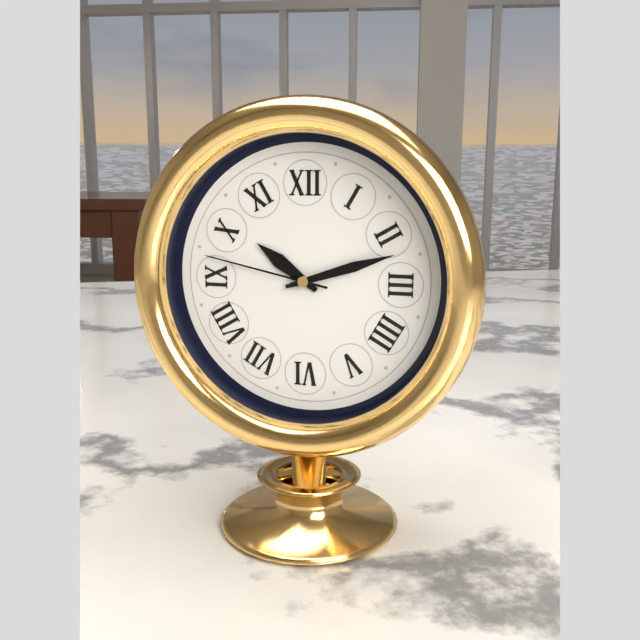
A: 10 h 12 min 47 s
